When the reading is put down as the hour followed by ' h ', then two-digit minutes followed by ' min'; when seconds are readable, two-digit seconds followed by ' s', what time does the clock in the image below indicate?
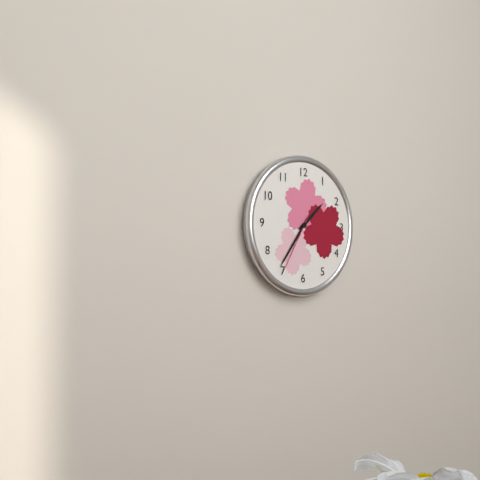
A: 1 h 36 min 35 s
